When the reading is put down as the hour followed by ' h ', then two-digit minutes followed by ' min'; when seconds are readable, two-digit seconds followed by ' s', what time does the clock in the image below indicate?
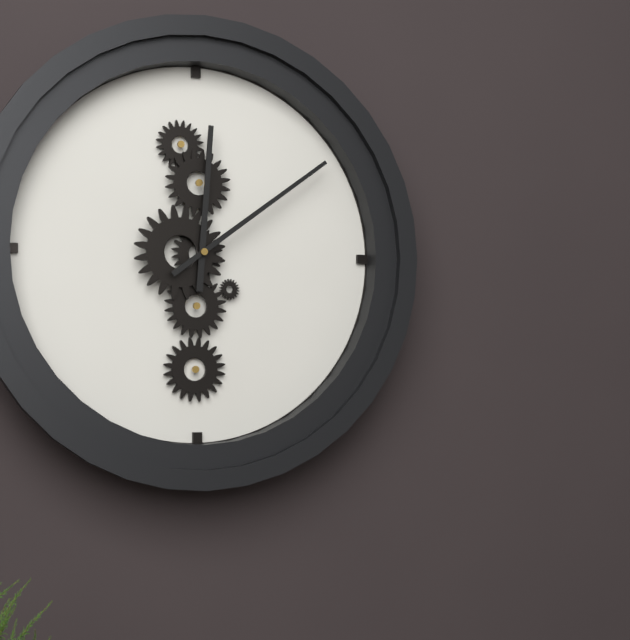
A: 12 h 09 min
